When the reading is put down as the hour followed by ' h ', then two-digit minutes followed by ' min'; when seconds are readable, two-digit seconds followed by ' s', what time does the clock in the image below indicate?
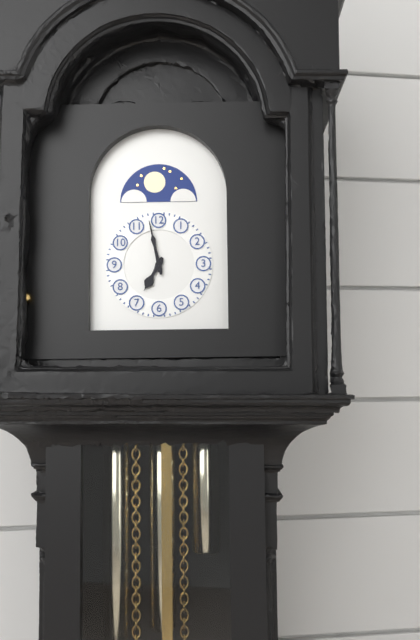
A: 6 h 58 min
